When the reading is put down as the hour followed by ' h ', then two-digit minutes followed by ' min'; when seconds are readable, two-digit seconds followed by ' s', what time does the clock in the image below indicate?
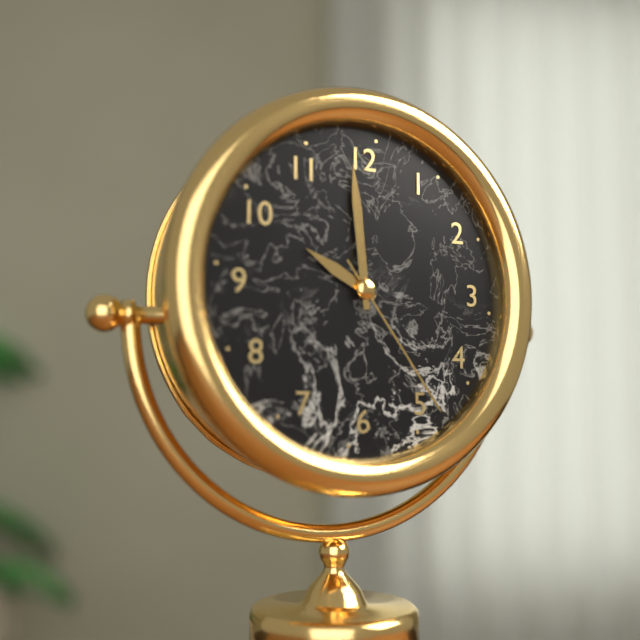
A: 9 h 59 min 24 s
